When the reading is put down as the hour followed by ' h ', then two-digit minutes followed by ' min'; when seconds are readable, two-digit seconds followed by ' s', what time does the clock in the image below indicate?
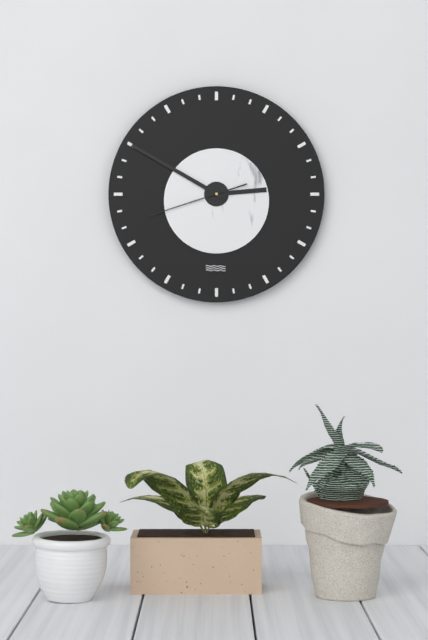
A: 2 h 50 min 42 s
